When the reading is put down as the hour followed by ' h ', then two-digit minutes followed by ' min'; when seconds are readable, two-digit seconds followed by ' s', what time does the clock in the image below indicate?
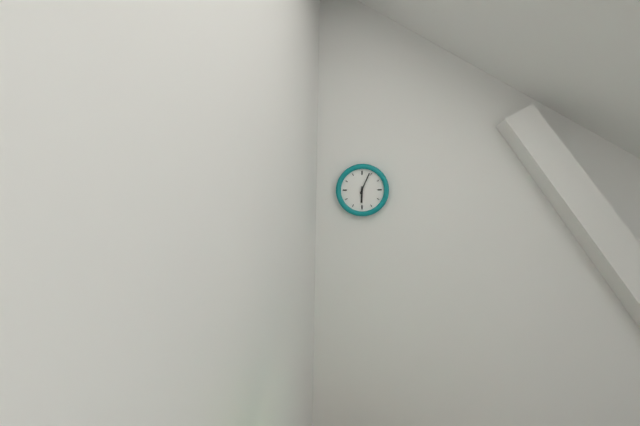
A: 6 h 04 min
